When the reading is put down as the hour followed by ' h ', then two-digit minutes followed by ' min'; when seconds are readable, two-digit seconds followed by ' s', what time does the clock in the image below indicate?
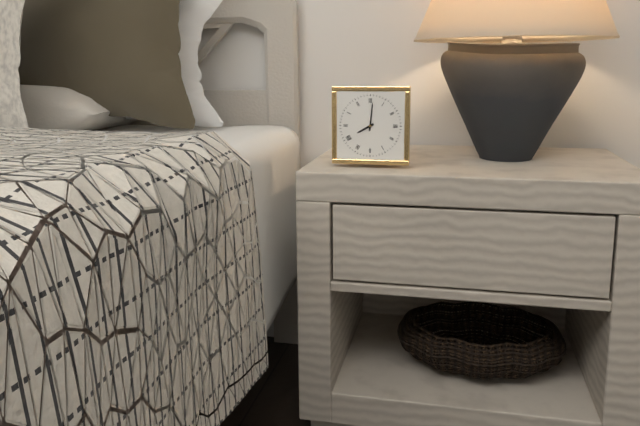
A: 8 h 01 min
